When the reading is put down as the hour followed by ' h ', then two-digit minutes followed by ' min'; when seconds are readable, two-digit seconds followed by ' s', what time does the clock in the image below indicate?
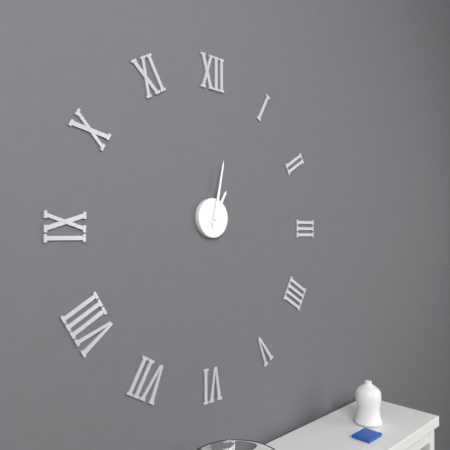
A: 1 h 02 min
